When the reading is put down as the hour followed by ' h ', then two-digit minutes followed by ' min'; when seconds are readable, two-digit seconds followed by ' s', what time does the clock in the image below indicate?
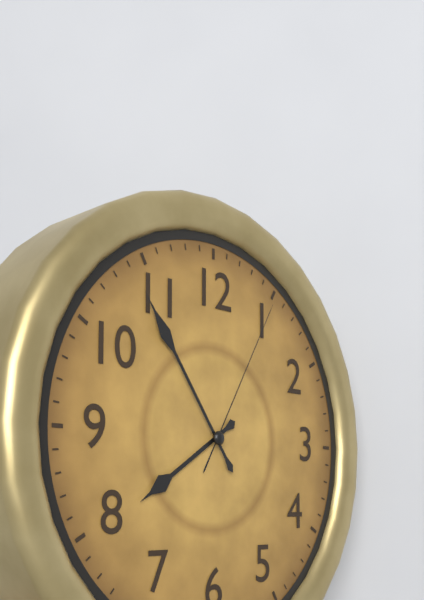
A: 7 h 54 min 05 s
